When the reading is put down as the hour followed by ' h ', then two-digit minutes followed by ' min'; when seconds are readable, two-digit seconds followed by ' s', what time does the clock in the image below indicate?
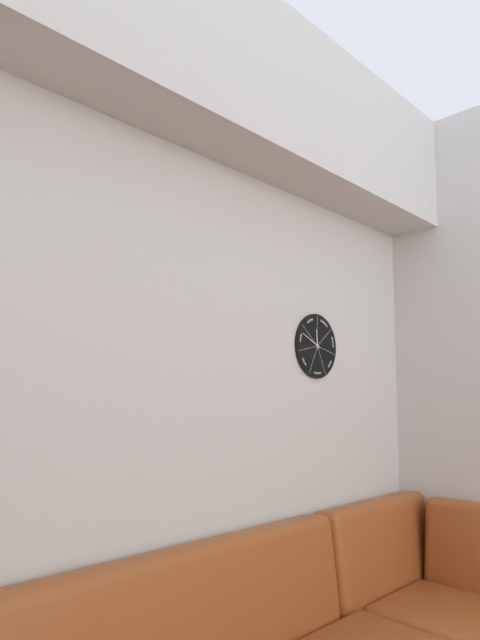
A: 11 h 49 min
